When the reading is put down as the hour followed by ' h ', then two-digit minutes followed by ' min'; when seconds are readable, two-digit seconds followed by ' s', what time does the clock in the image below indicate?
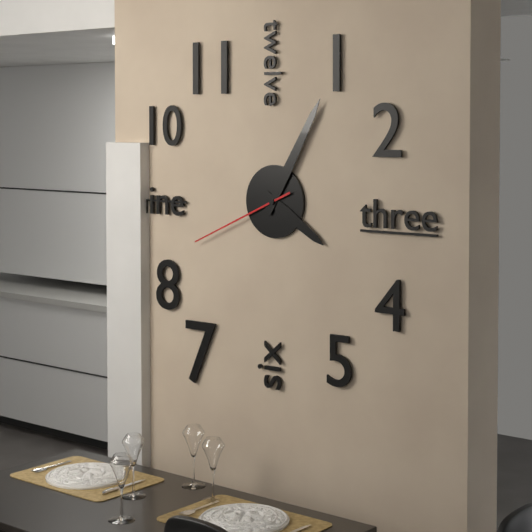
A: 4 h 05 min 41 s
